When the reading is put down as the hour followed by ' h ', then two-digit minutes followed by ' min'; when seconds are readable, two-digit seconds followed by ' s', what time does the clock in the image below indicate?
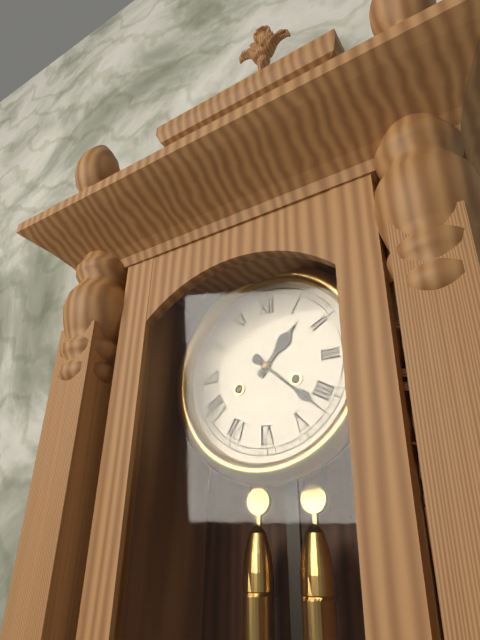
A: 1 h 22 min
